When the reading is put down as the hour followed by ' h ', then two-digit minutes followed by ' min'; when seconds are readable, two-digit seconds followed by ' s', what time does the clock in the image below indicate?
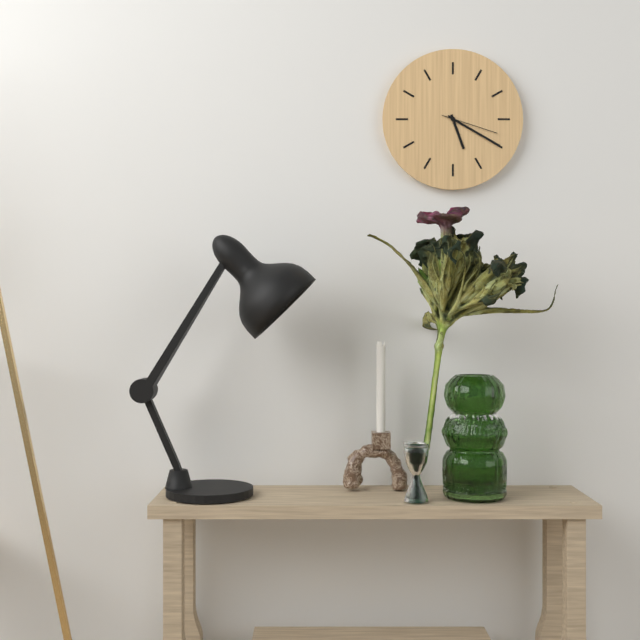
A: 5 h 20 min 18 s
